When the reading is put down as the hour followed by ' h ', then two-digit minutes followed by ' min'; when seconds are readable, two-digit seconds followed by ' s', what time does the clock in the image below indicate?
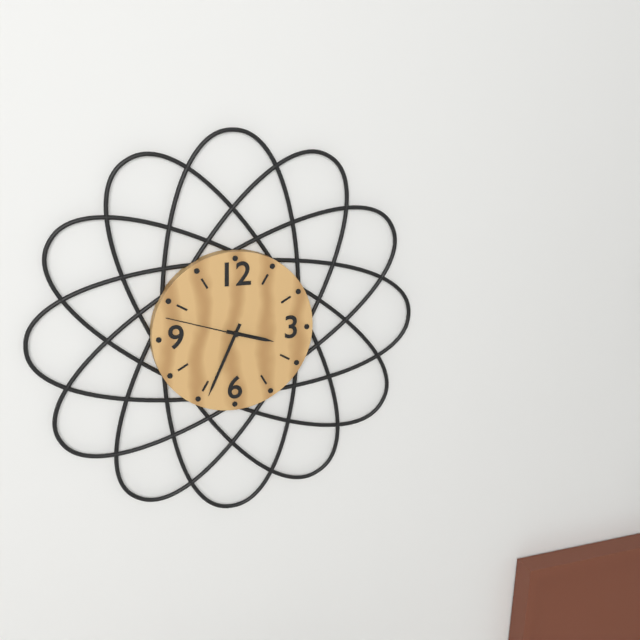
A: 3 h 34 min 48 s
